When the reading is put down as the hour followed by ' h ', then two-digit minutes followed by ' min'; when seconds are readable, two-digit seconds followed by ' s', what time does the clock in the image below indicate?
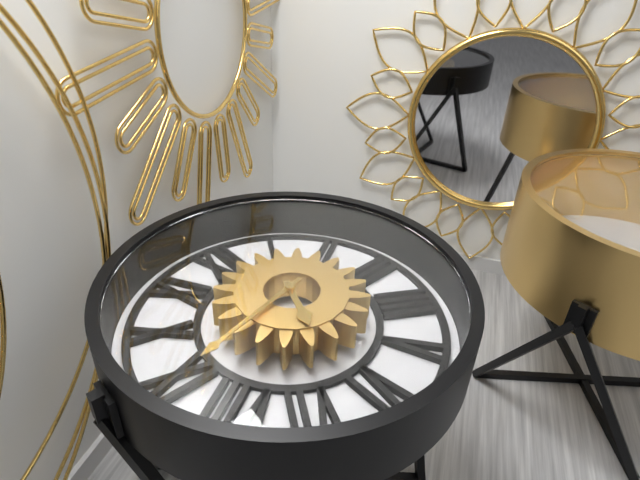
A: 6 h 43 min
